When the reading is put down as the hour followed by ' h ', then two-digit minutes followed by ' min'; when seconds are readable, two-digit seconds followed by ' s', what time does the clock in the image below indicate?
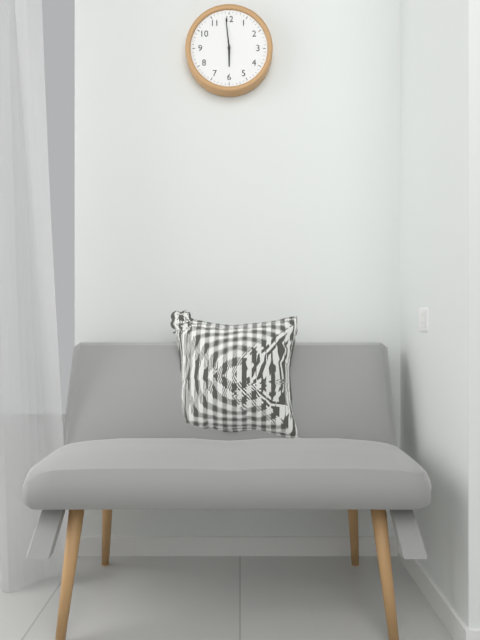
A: 5 h 59 min
